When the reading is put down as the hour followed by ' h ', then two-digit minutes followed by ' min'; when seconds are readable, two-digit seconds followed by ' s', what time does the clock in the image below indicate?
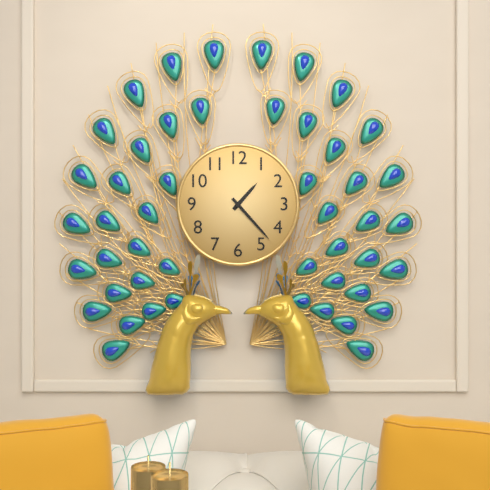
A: 1 h 23 min
